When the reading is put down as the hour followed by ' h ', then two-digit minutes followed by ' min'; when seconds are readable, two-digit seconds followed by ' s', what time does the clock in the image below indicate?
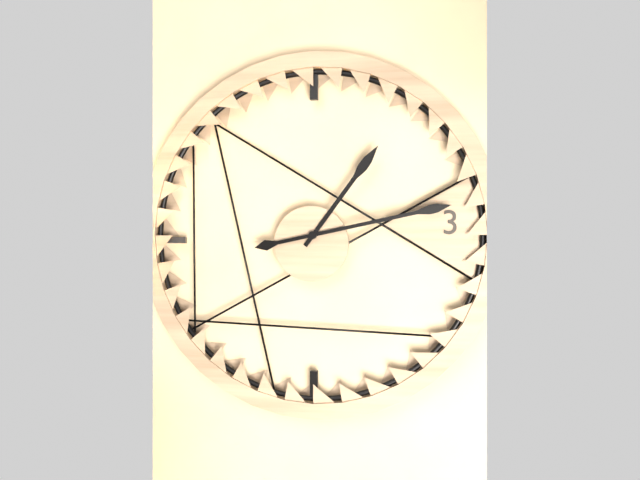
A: 1 h 13 min
